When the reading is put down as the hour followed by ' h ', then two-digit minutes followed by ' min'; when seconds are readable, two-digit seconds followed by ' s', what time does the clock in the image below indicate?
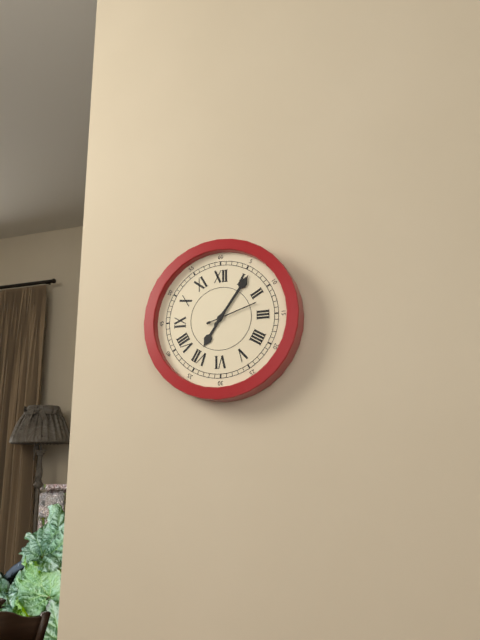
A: 7 h 06 min
